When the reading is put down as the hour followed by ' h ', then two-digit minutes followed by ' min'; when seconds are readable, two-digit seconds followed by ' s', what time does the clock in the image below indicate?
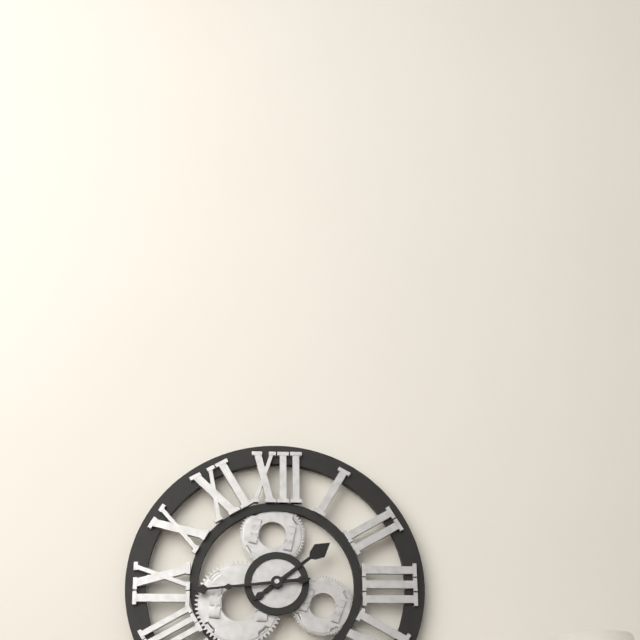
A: 1 h 44 min
